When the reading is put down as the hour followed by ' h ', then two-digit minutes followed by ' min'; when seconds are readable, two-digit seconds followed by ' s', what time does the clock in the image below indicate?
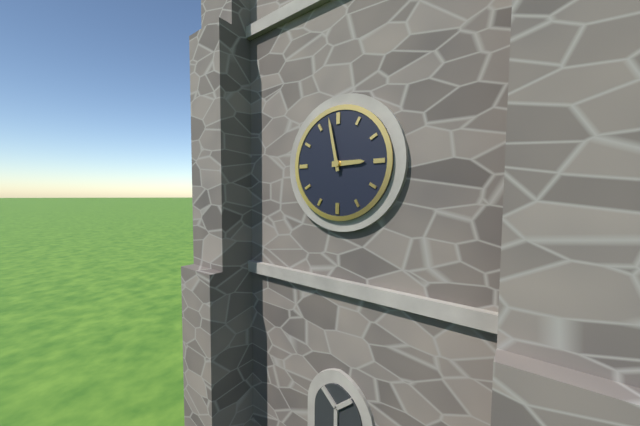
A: 2 h 58 min
